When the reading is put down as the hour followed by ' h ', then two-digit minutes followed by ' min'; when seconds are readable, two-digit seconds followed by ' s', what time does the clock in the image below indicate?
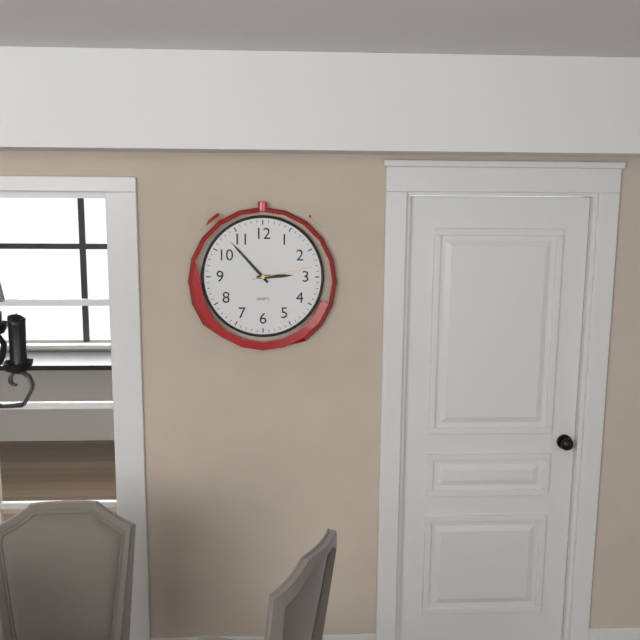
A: 2 h 53 min 13 s
